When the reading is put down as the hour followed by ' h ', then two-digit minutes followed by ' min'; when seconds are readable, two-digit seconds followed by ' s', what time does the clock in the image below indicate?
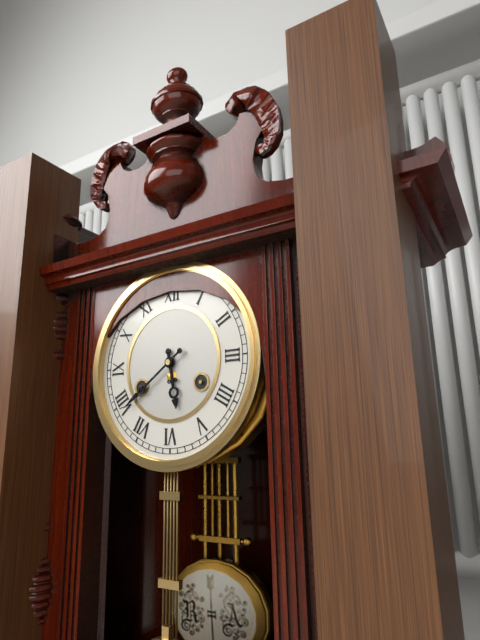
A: 5 h 39 min
